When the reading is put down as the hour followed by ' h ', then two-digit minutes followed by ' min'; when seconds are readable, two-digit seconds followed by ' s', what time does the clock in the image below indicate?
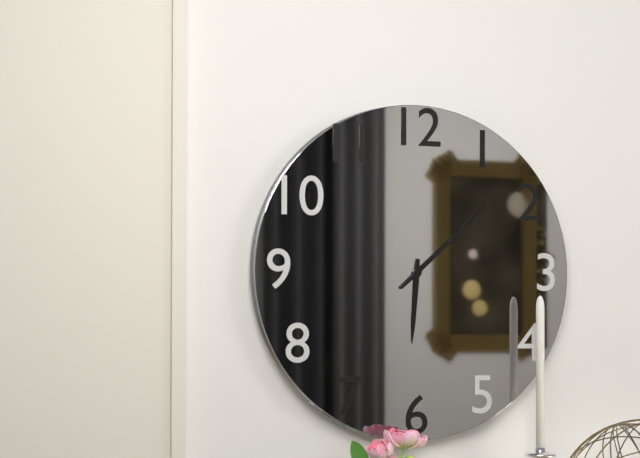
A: 6 h 08 min
